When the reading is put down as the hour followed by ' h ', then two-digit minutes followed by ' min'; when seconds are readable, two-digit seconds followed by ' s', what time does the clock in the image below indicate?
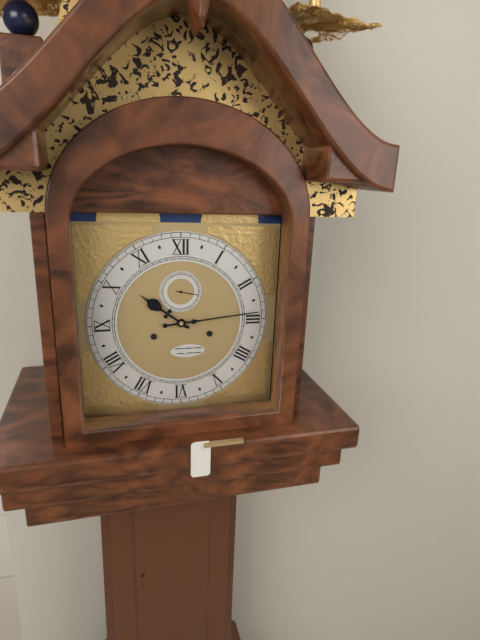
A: 10 h 14 min
